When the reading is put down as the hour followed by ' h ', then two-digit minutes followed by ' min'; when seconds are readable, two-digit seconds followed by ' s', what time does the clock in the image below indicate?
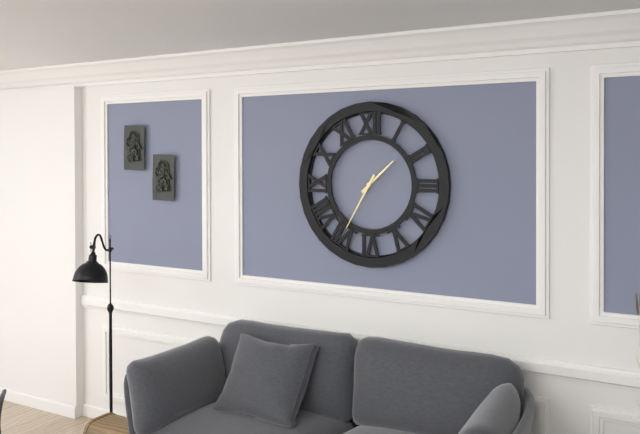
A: 1 h 35 min
